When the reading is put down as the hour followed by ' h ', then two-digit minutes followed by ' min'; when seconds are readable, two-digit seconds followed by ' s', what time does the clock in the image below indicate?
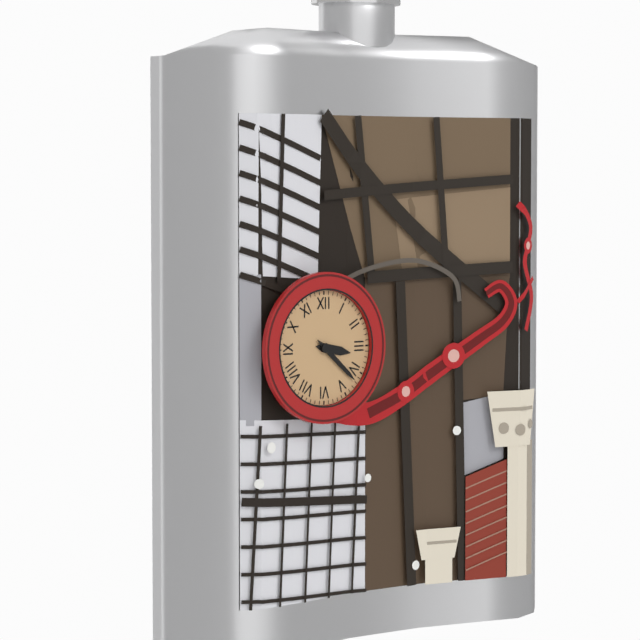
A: 3 h 22 min
